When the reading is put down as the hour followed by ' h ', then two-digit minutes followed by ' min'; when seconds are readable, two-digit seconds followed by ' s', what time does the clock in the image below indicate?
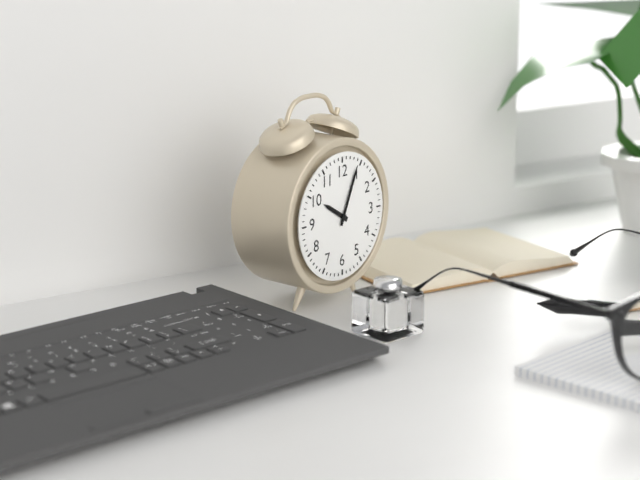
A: 10 h 04 min
